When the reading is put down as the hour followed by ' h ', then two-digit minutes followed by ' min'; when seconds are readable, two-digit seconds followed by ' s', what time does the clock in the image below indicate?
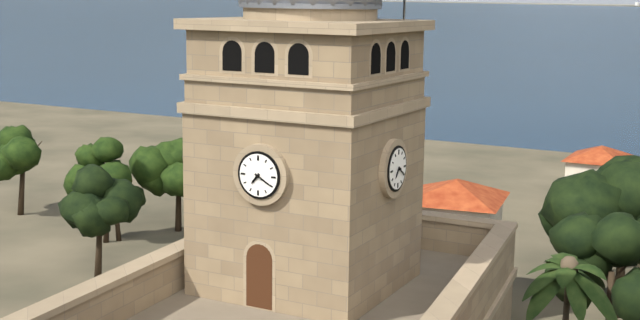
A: 7 h 20 min
